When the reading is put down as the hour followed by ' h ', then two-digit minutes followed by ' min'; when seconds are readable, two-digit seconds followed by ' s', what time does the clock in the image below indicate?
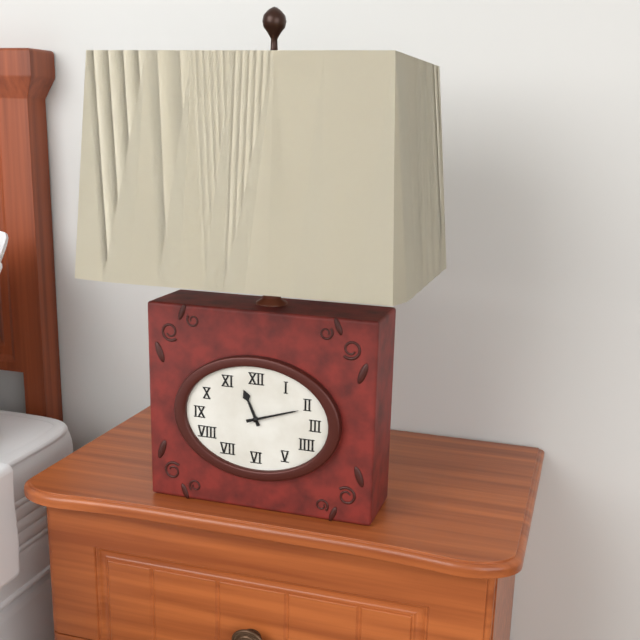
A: 11 h 12 min
